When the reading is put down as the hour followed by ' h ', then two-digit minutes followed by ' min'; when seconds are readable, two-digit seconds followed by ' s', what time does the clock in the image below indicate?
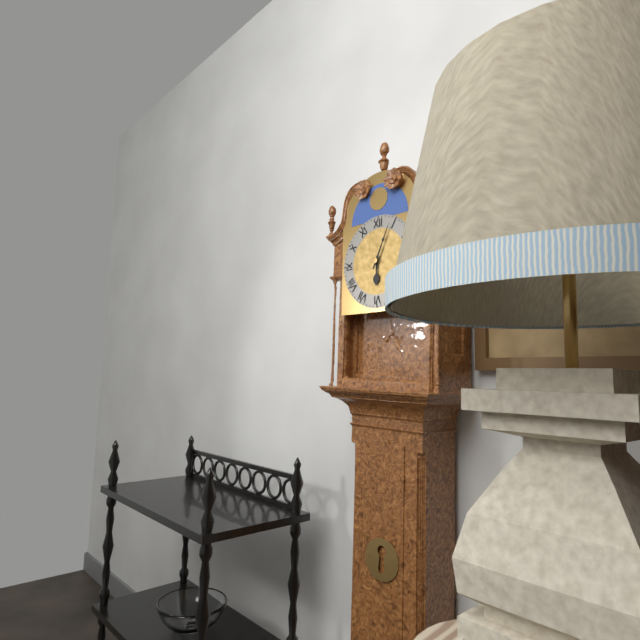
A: 6 h 04 min
